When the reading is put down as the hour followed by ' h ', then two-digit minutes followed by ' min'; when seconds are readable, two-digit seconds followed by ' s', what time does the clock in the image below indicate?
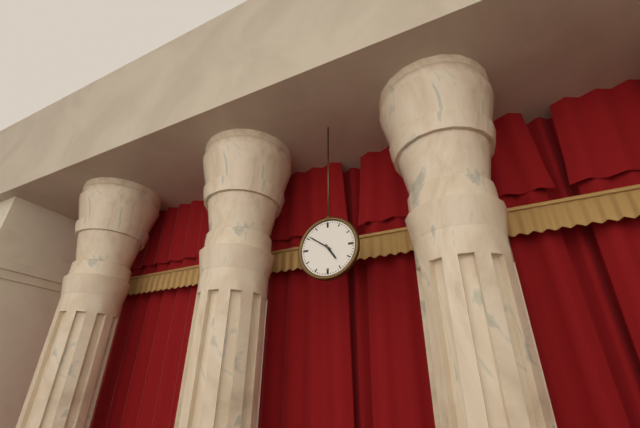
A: 4 h 51 min
